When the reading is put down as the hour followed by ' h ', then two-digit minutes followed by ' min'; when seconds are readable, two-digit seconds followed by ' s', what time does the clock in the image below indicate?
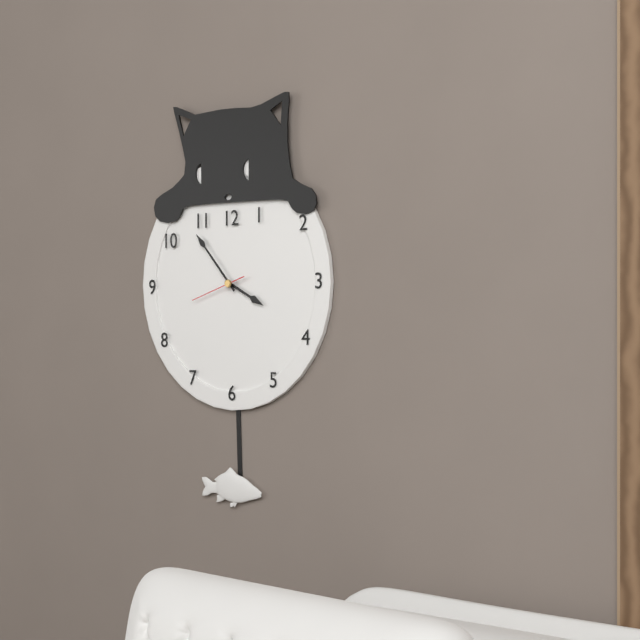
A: 3 h 53 min 42 s
